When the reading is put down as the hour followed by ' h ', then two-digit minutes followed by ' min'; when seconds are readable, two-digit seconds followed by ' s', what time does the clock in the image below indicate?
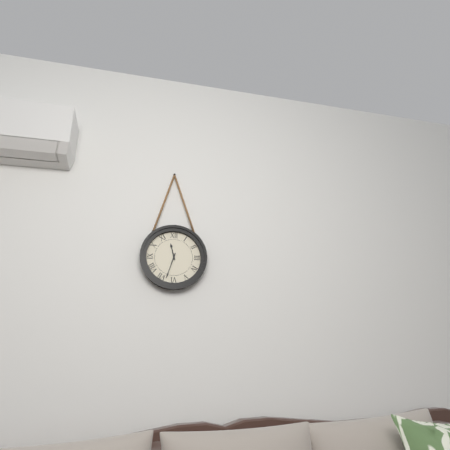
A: 11 h 33 min
